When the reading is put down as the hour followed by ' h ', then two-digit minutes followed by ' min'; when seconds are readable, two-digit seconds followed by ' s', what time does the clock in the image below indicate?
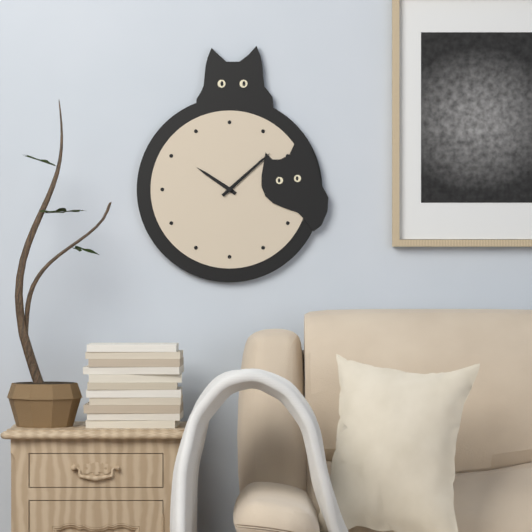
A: 10 h 08 min
